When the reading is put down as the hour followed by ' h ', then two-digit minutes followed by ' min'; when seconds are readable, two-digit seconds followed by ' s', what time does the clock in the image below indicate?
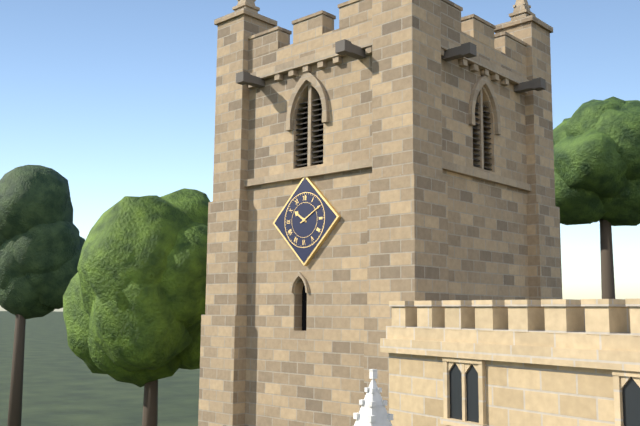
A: 10 h 10 min
